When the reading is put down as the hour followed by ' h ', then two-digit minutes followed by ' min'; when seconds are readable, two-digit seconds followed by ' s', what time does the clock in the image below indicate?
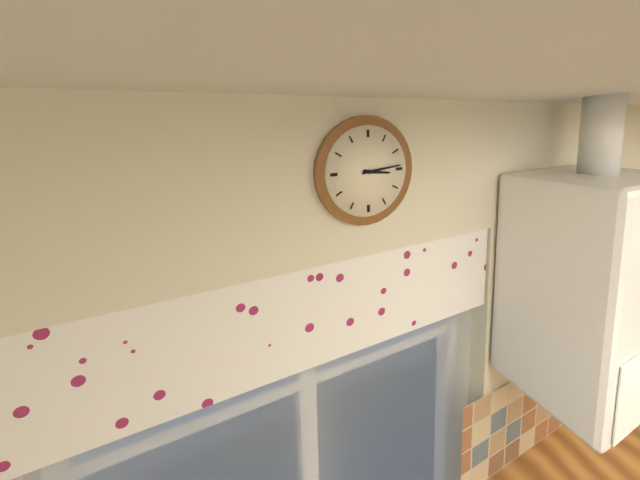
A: 3 h 14 min
